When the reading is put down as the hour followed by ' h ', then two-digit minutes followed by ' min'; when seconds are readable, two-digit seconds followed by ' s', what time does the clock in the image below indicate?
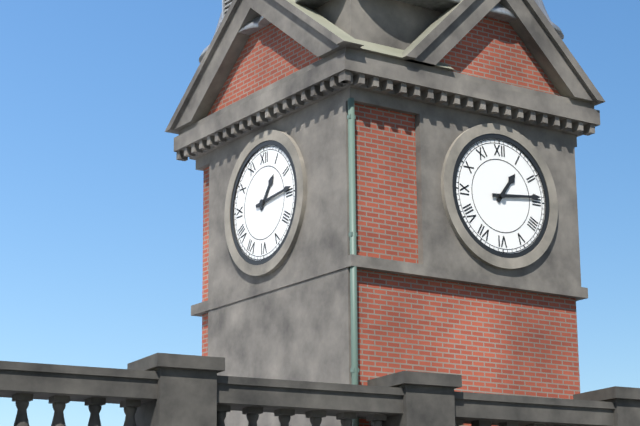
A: 1 h 14 min
